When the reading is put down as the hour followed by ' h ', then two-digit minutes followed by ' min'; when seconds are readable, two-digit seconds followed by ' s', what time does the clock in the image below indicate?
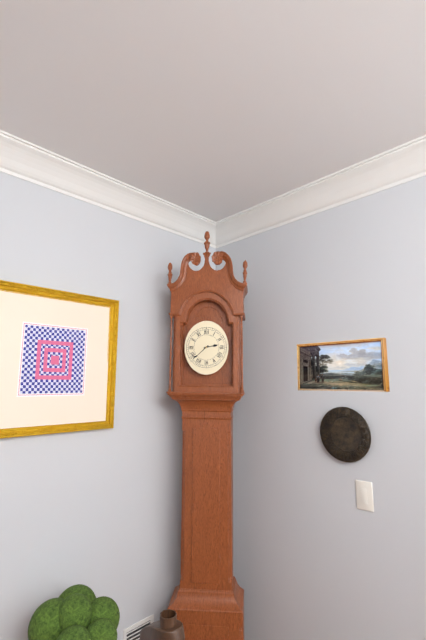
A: 2 h 38 min
